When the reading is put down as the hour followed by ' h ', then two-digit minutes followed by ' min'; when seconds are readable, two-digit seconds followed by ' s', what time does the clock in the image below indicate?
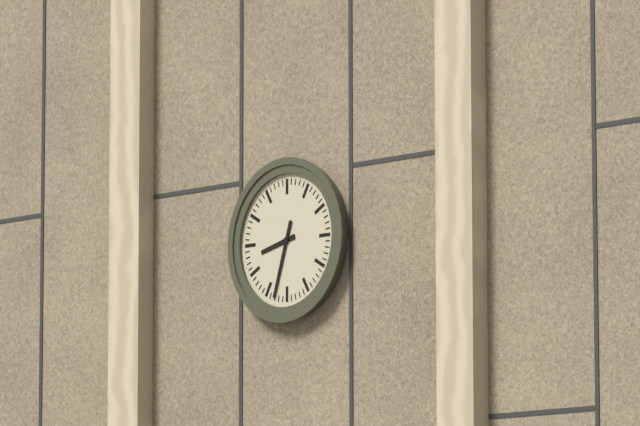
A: 8 h 33 min
